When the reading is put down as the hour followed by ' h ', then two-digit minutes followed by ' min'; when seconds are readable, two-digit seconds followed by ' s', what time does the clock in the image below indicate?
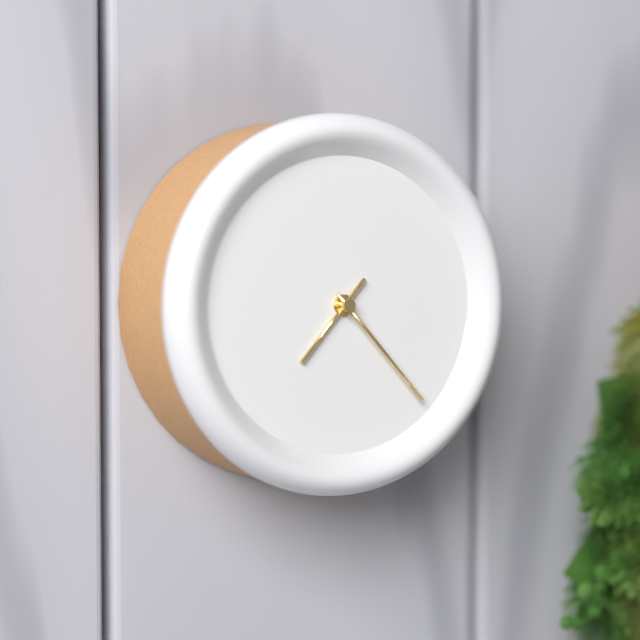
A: 7 h 23 min
